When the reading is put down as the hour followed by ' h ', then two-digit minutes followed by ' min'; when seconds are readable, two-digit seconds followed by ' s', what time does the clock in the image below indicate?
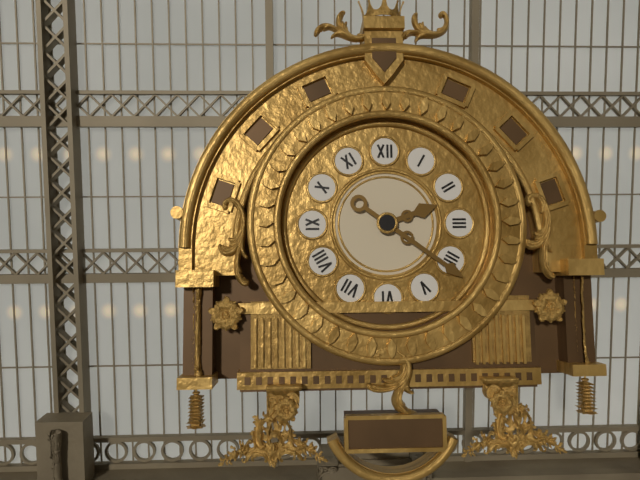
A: 2 h 21 min
